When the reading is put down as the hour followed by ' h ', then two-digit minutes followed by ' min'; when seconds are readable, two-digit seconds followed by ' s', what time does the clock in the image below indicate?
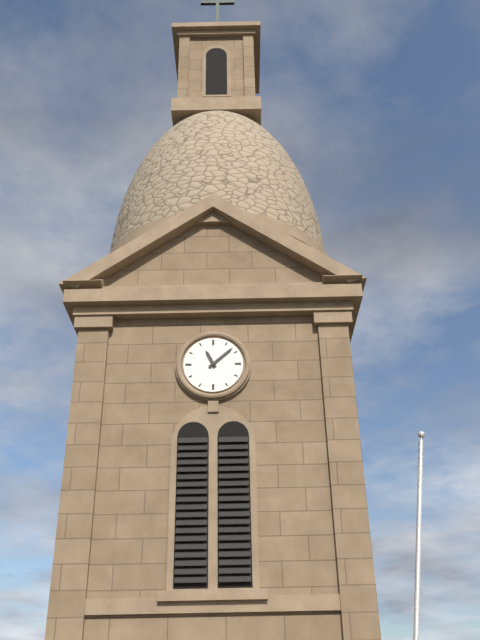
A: 11 h 08 min
